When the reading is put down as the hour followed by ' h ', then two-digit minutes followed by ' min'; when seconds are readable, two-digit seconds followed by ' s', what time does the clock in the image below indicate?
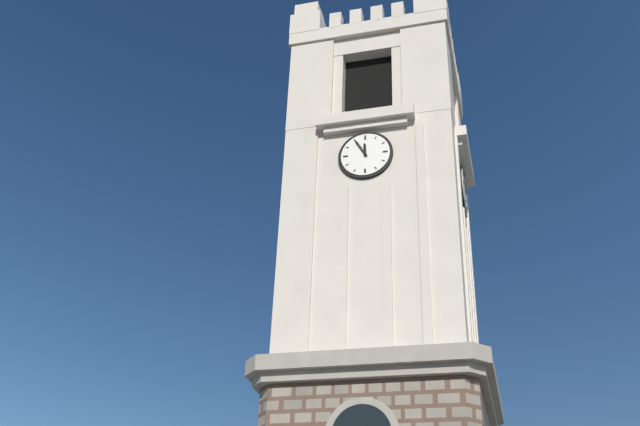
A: 11 h 55 min
